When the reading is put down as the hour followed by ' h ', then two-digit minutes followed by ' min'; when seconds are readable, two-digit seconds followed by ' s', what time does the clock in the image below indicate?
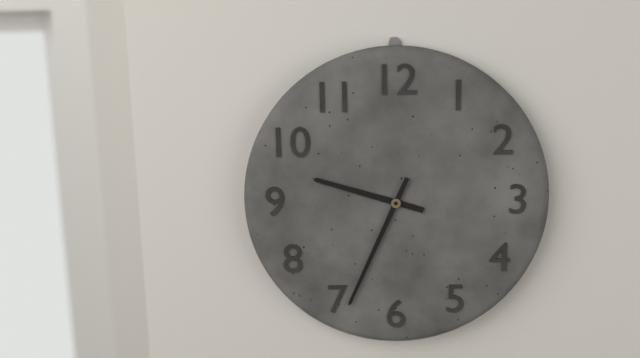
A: 9 h 34 min
